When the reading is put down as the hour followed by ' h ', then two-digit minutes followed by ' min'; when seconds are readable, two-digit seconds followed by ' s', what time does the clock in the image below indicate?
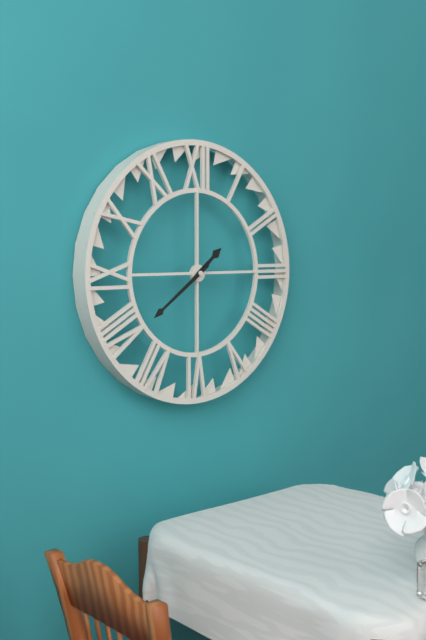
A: 1 h 39 min
